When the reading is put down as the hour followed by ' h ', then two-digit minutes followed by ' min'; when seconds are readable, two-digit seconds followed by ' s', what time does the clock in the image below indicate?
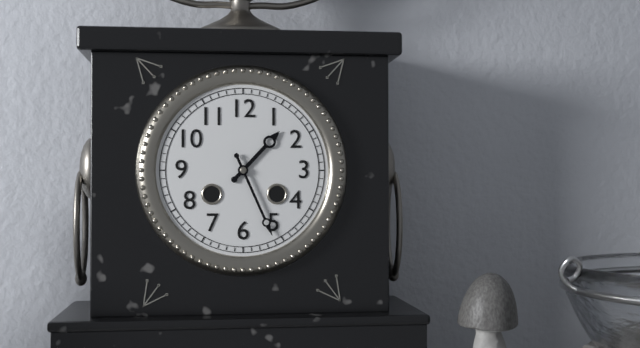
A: 1 h 26 min
